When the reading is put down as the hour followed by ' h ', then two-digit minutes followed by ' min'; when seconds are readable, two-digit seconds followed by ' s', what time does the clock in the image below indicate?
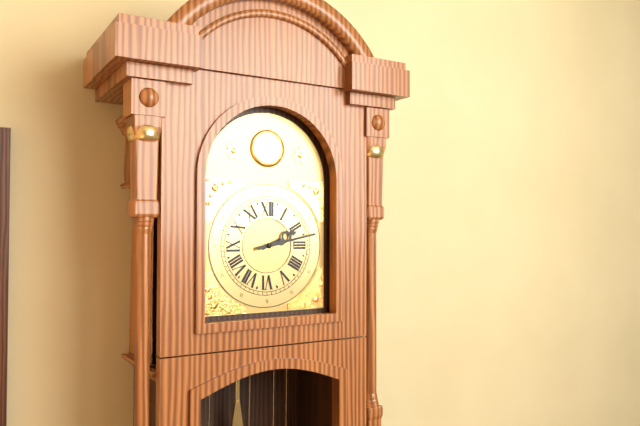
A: 2 h 13 min
